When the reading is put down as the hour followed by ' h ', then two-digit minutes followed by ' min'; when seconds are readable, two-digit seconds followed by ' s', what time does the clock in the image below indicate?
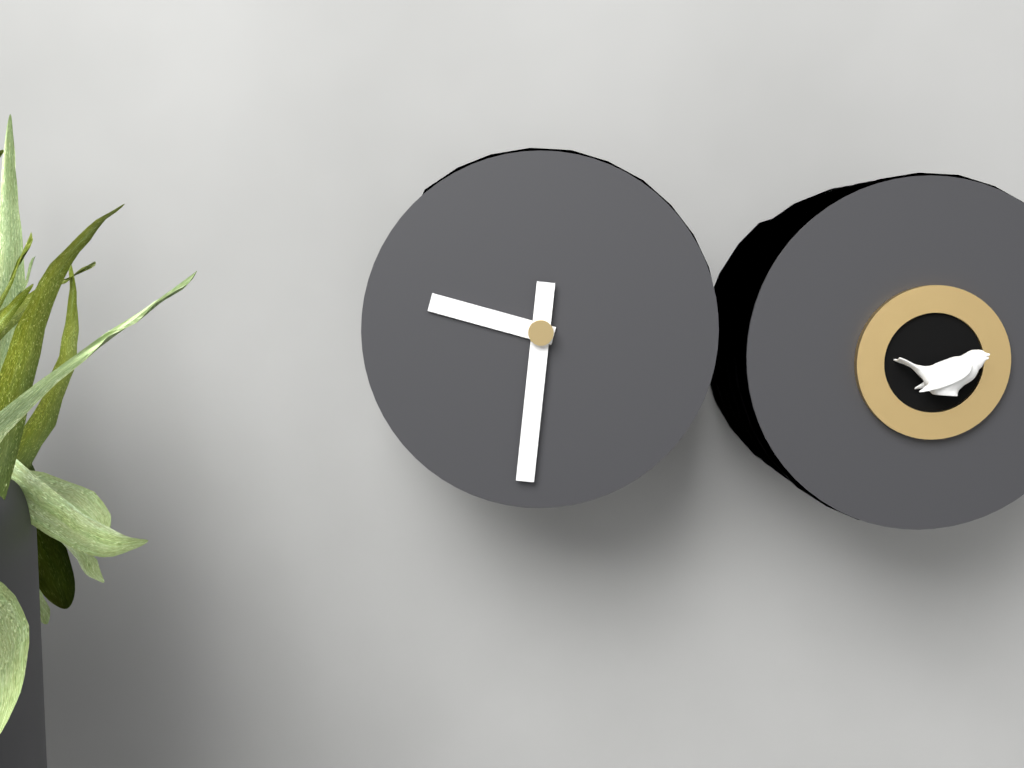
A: 9 h 31 min
